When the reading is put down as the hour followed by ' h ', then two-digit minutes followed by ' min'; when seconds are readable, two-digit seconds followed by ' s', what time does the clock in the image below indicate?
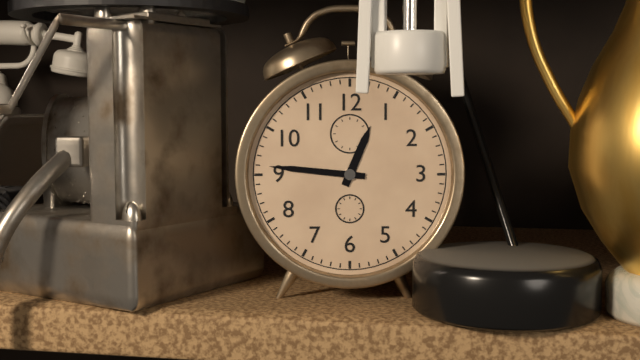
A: 12 h 46 min
